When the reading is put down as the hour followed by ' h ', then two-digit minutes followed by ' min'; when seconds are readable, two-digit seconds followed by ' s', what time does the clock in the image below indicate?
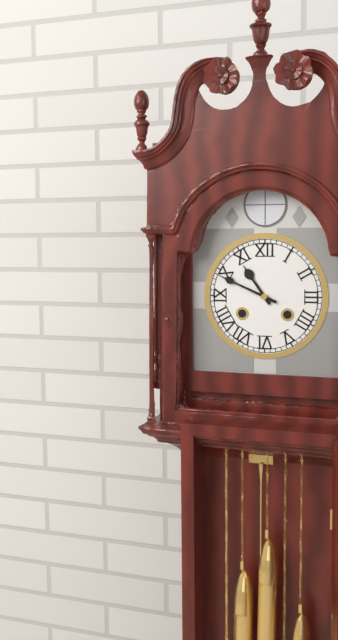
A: 10 h 49 min
